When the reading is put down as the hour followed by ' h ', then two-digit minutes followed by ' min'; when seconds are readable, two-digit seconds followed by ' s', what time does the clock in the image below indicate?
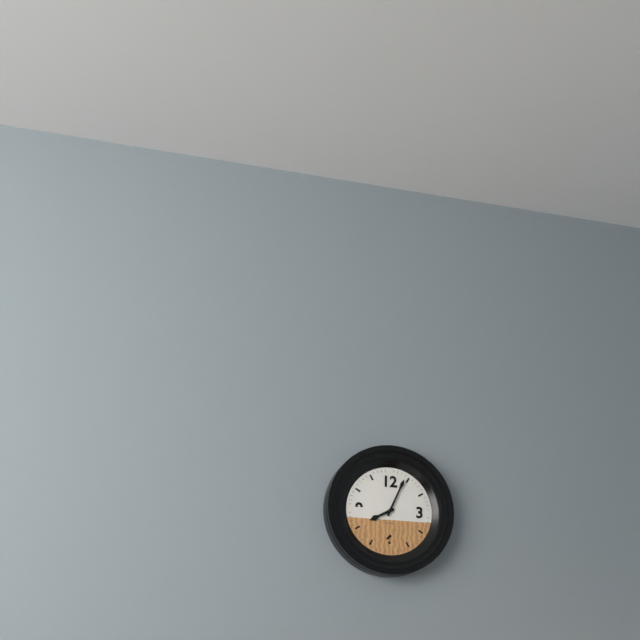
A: 8 h 04 min
